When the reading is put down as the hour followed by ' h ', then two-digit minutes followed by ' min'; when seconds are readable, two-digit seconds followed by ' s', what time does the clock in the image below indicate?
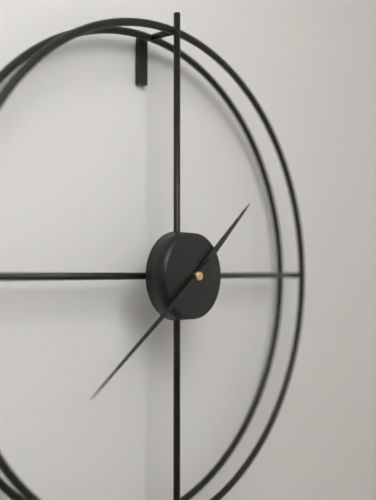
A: 1 h 39 min
